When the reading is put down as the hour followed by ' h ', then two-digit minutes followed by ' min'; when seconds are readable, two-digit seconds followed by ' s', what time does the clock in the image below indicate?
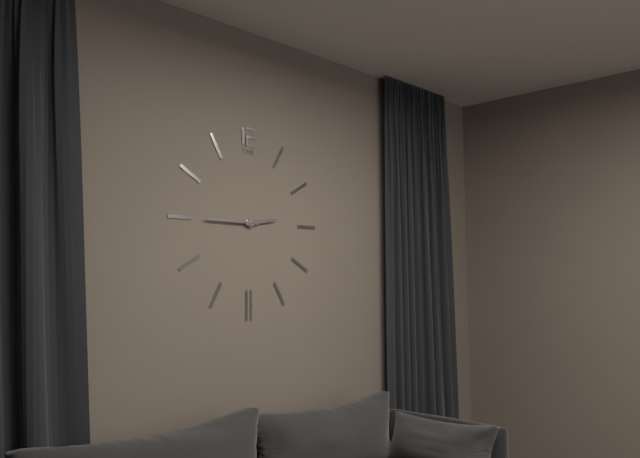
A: 2 h 45 min
